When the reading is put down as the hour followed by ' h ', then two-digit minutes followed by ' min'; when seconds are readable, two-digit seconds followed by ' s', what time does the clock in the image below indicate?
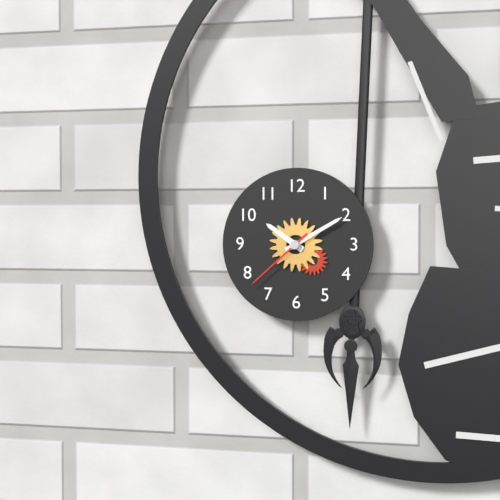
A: 10 h 10 min 38 s
